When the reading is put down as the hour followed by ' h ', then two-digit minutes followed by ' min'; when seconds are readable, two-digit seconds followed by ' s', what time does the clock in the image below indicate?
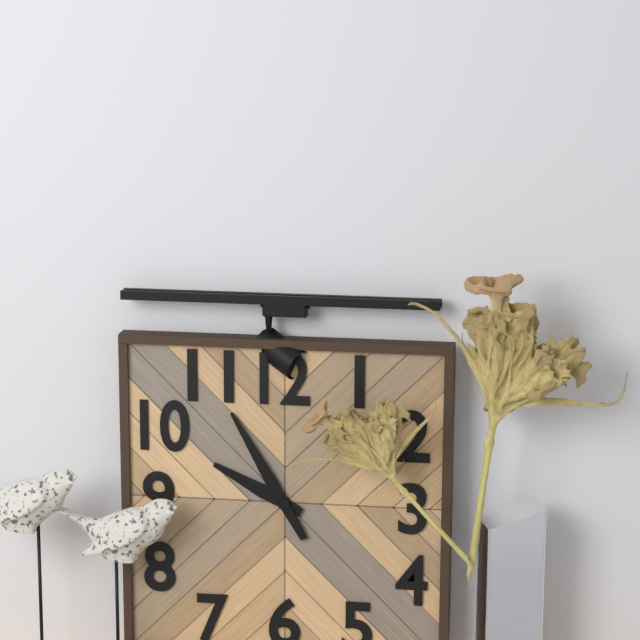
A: 9 h 55 min
